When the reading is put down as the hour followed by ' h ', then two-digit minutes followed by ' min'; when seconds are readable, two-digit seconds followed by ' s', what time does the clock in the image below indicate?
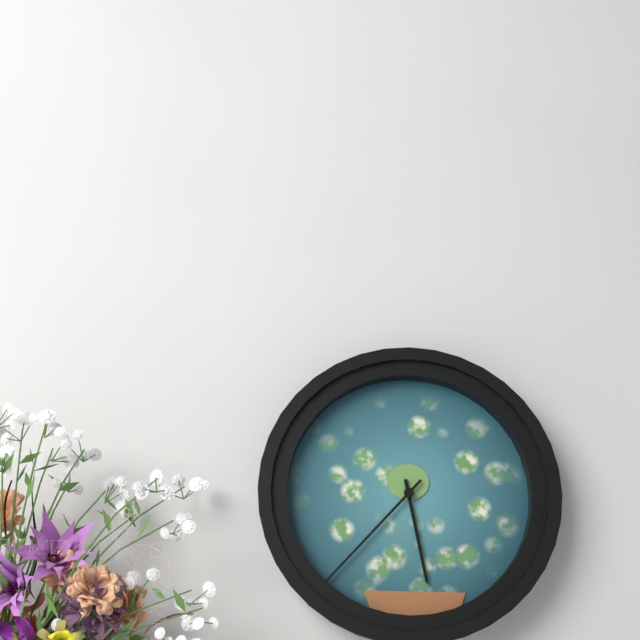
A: 5 h 37 min
